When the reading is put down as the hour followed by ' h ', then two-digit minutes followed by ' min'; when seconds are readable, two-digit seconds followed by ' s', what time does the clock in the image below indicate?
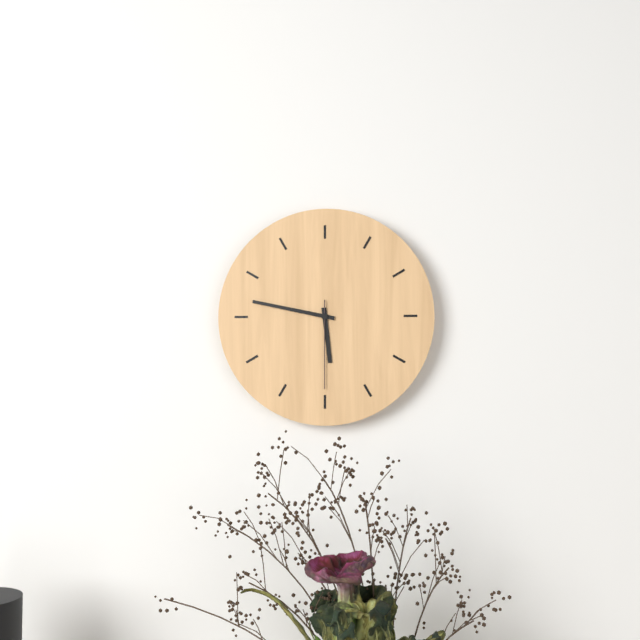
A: 5 h 47 min 30 s
